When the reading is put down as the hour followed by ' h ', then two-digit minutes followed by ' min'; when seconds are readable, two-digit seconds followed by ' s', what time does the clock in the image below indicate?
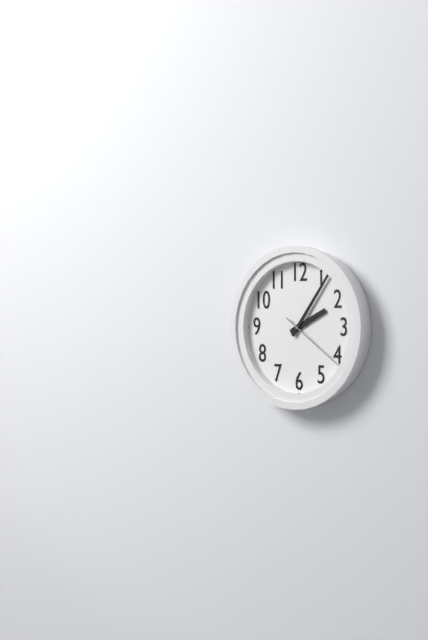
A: 2 h 06 min 21 s
